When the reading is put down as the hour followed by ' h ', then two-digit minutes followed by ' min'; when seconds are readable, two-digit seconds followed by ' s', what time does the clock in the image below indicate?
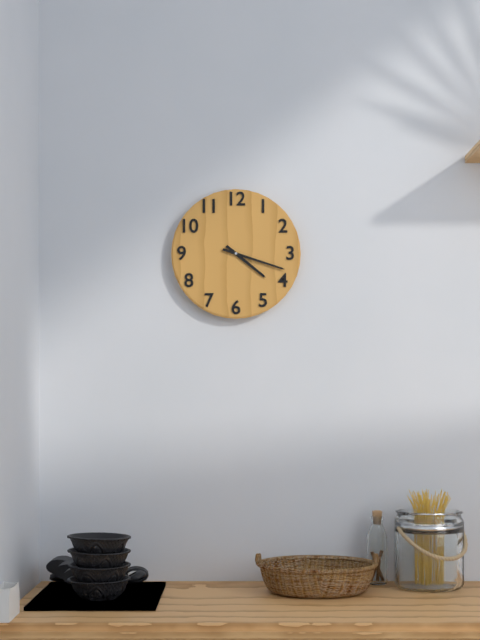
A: 4 h 18 min
